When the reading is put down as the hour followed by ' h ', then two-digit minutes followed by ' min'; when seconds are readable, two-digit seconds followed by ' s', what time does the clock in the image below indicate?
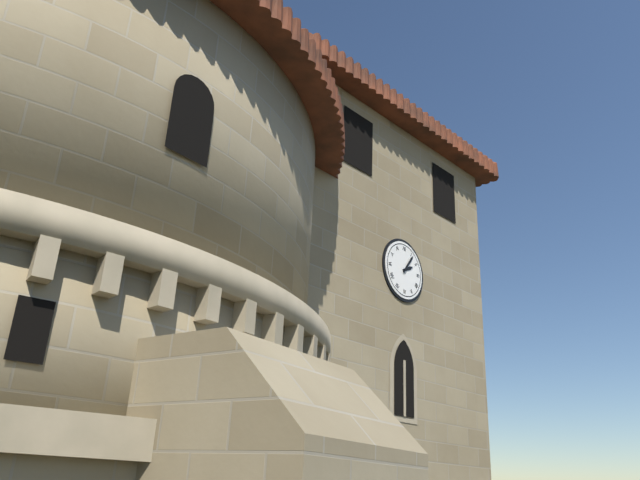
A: 2 h 06 min
